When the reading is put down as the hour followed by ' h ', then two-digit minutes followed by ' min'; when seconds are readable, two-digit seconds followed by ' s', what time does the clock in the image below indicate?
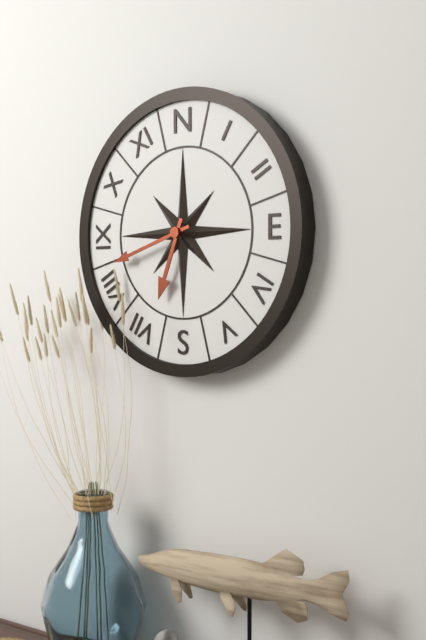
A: 6 h 42 min
